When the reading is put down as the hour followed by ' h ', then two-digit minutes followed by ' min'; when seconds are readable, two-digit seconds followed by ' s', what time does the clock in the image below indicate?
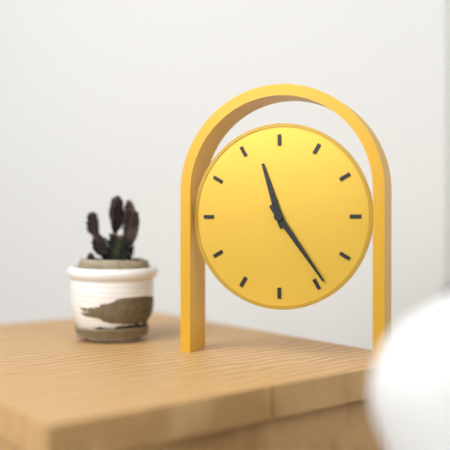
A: 11 h 24 min
